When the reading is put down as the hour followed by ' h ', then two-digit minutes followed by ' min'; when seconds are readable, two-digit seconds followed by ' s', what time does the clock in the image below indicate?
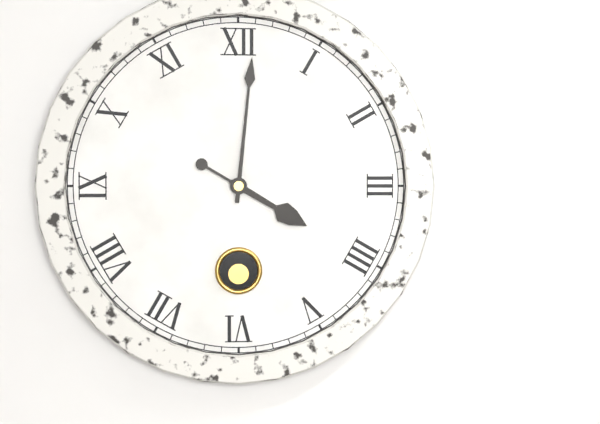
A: 4 h 01 min
